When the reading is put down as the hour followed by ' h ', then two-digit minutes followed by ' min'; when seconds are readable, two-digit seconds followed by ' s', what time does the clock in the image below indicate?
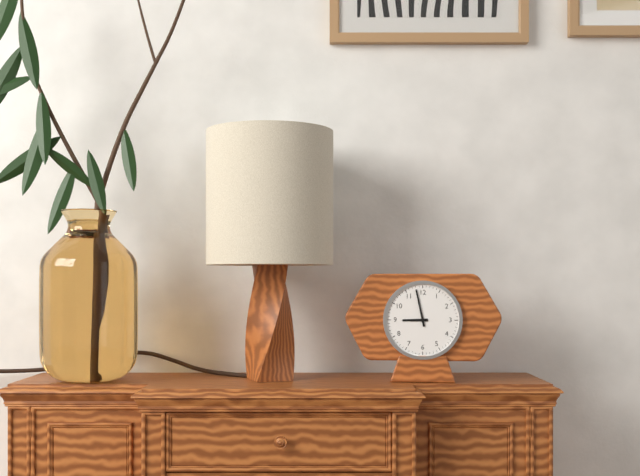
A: 8 h 58 min
